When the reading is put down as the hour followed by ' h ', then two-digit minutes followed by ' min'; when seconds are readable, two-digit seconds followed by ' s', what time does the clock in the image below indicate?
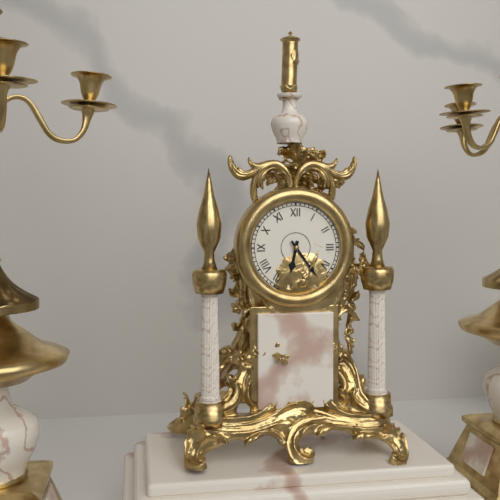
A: 6 h 24 min
